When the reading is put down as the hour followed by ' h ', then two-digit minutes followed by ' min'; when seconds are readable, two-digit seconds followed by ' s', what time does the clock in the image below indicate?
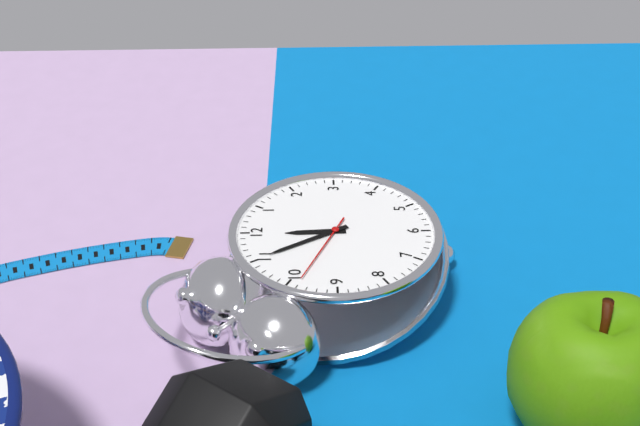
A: 11 h 55 min 49 s
